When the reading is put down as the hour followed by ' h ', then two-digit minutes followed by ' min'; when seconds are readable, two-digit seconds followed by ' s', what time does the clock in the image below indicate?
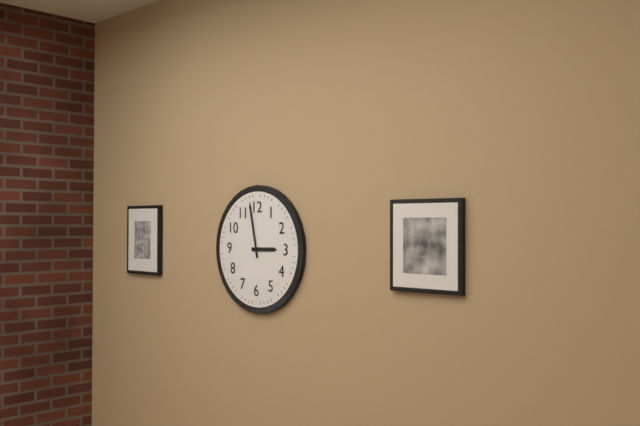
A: 2 h 58 min
